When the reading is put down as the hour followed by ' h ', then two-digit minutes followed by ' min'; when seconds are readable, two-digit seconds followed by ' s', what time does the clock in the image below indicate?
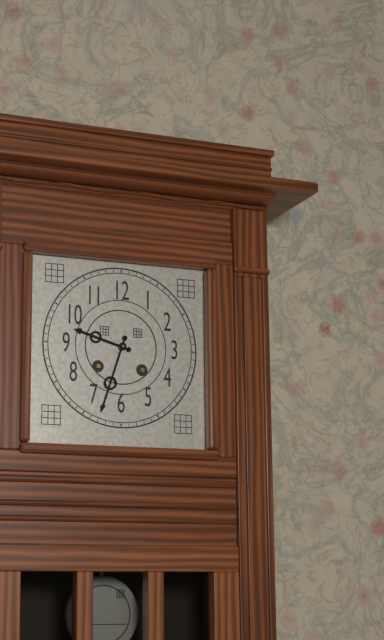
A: 9 h 33 min
